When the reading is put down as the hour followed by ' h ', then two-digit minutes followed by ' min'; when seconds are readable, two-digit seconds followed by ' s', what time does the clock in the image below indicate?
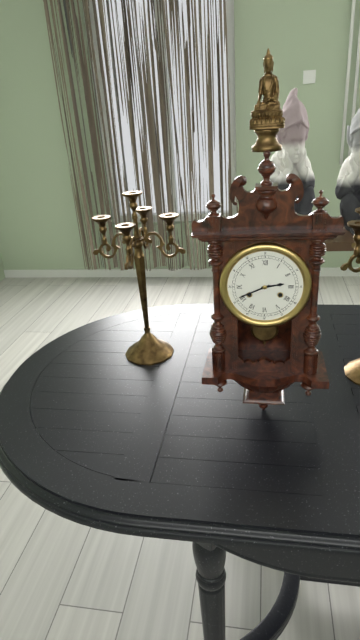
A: 2 h 41 min
